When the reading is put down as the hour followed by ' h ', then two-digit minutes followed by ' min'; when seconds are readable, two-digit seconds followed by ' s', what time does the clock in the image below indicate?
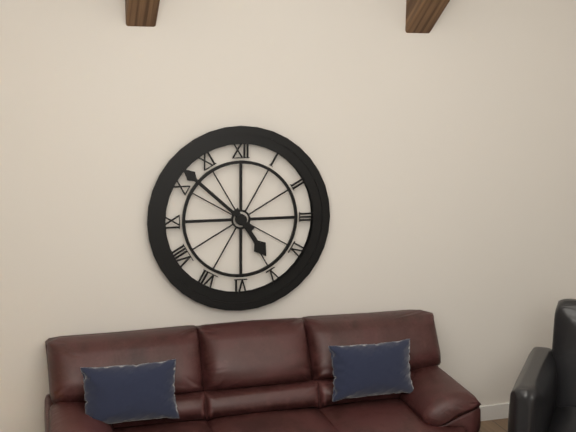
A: 4 h 52 min
